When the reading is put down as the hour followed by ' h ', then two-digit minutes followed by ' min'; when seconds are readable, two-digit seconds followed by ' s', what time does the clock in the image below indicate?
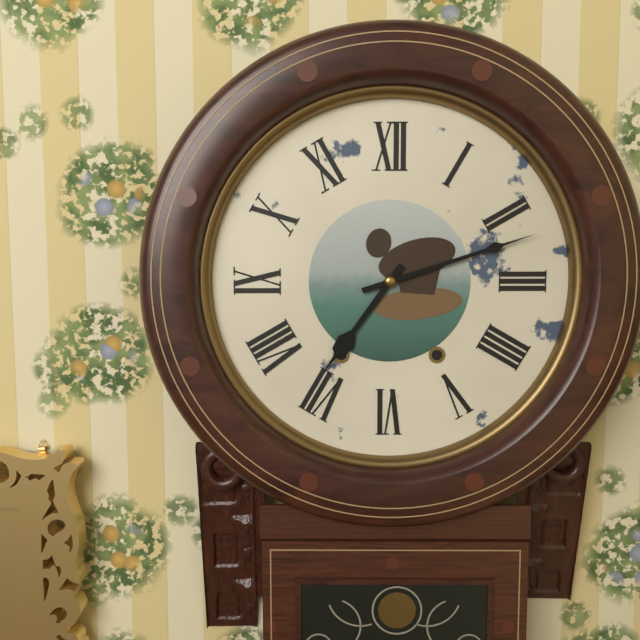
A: 7 h 12 min
